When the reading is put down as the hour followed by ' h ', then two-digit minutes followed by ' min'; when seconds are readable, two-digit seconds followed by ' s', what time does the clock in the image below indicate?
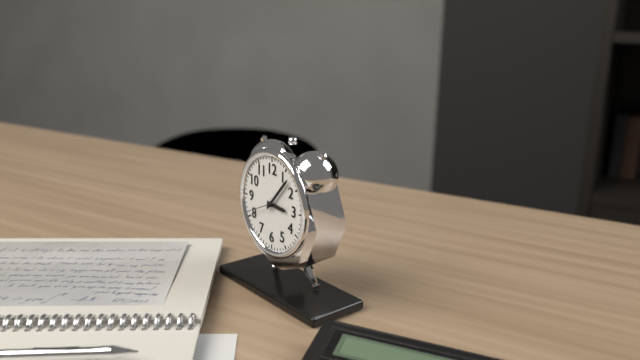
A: 3 h 07 min
